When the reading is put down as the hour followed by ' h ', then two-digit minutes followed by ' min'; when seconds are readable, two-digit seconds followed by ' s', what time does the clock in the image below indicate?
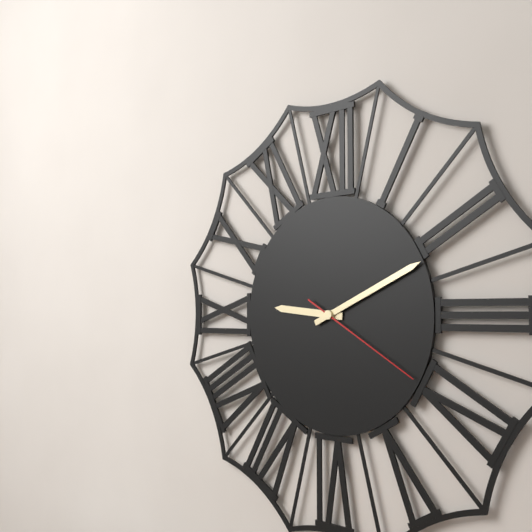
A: 9 h 11 min 20 s
